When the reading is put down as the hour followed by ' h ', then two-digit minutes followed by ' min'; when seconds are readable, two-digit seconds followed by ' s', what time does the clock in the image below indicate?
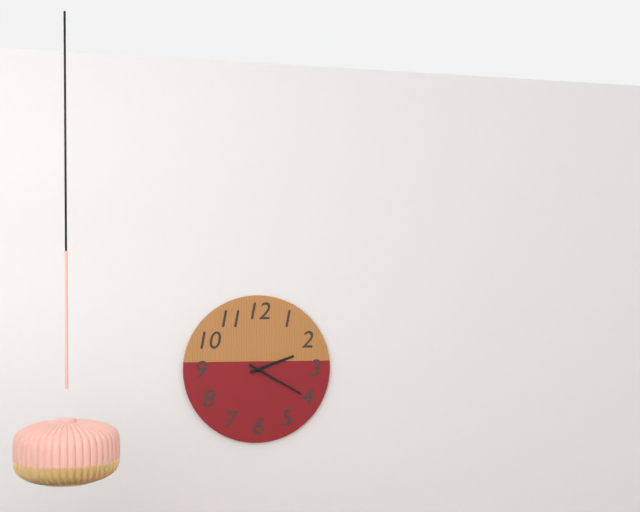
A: 2 h 20 min
